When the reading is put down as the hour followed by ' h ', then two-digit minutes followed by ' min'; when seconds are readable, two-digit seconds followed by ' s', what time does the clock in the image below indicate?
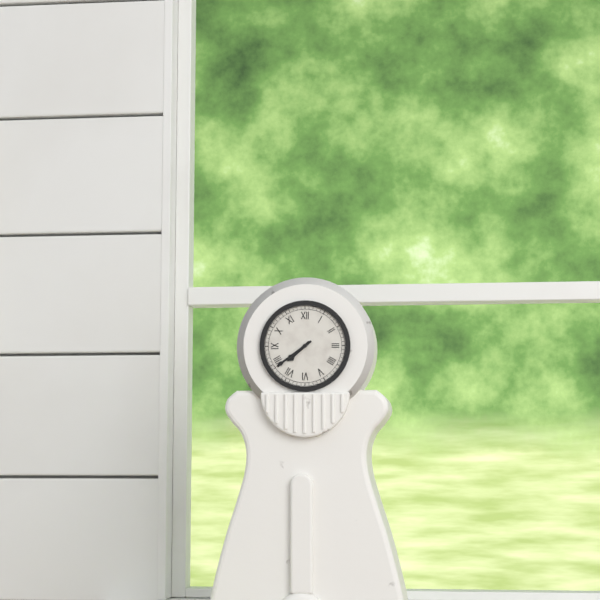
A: 7 h 39 min
